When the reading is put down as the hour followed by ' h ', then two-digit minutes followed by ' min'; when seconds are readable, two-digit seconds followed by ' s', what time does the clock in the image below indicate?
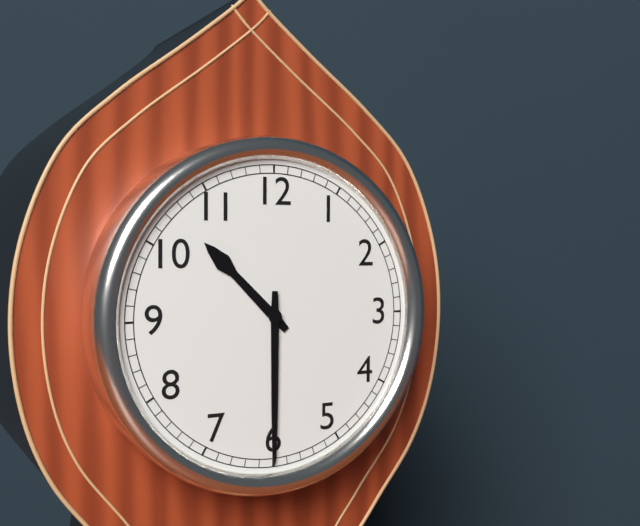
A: 10 h 30 min
